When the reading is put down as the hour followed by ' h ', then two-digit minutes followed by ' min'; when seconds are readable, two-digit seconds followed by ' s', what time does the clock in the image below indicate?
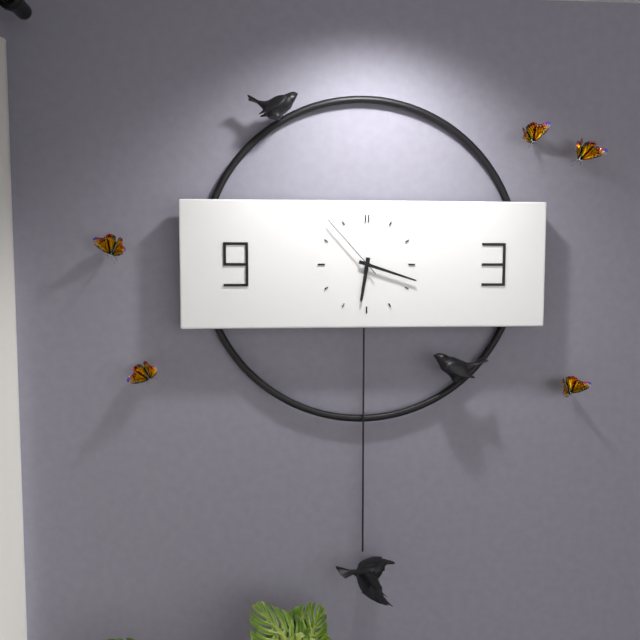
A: 6 h 18 min 53 s
